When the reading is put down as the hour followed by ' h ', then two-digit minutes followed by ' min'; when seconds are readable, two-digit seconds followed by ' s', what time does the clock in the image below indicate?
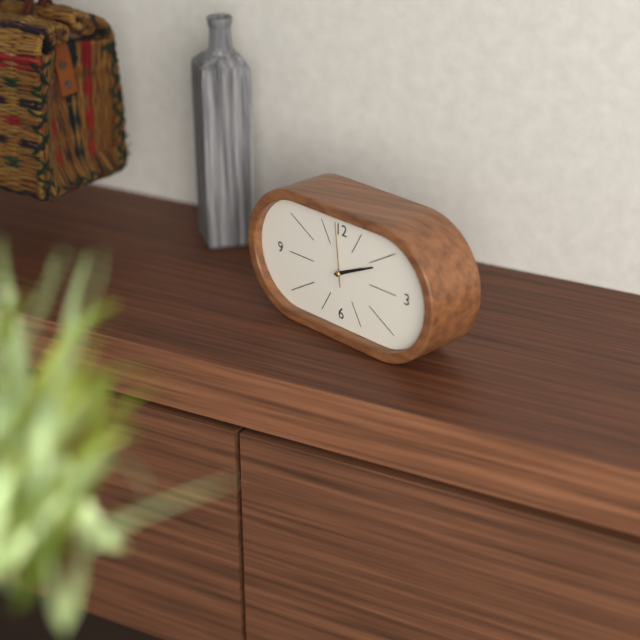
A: 2 h 11 min 59 s
